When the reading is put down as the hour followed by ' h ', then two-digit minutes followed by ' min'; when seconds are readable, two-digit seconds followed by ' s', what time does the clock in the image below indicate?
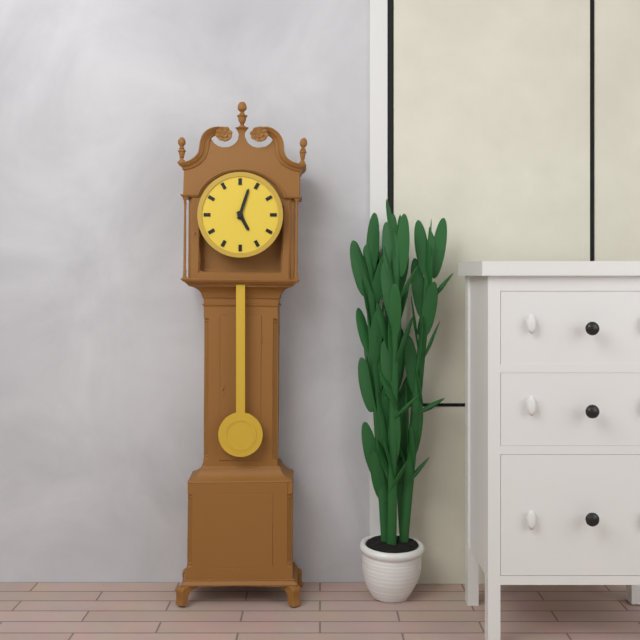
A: 5 h 03 min
